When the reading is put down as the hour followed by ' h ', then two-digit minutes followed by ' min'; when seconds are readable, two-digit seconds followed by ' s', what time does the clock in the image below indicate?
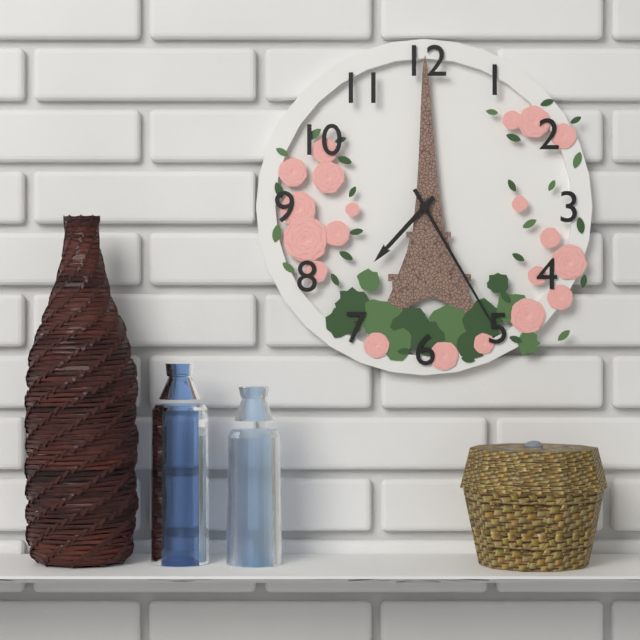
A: 7 h 25 min
